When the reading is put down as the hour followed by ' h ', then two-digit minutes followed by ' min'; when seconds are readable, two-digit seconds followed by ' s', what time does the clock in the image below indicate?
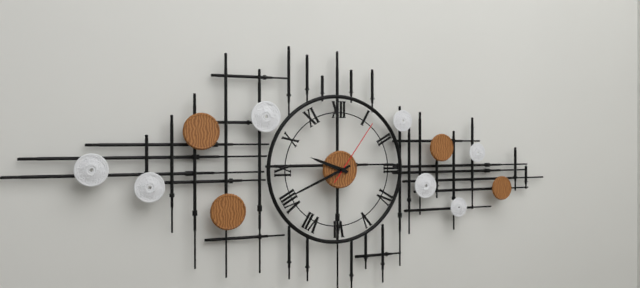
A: 9 h 41 min 06 s
